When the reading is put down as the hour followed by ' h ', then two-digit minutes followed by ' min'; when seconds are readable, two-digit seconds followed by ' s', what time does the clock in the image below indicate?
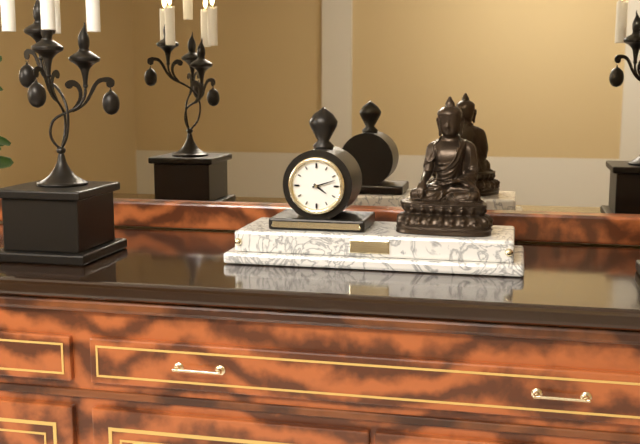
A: 4 h 12 min
